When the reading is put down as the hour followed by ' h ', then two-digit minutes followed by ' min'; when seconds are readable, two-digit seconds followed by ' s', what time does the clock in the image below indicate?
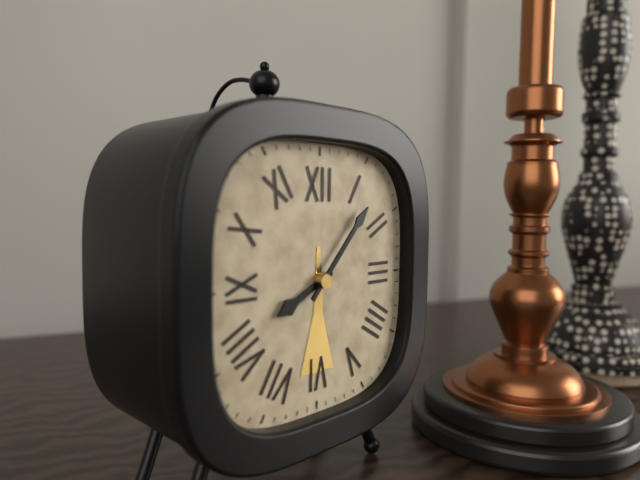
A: 8 h 07 min
